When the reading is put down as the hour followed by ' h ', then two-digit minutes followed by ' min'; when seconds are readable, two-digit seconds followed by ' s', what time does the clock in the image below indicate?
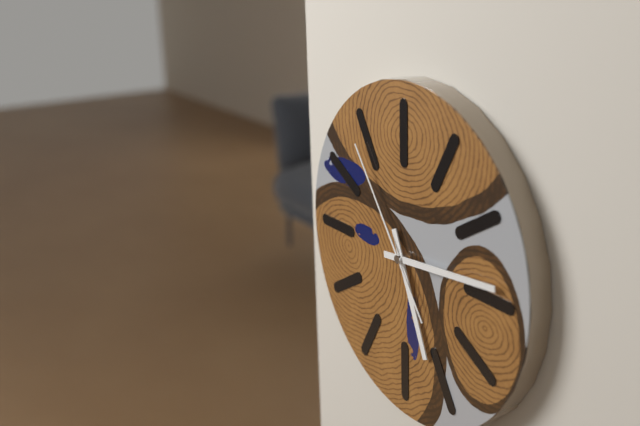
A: 5 h 14 min 54 s
